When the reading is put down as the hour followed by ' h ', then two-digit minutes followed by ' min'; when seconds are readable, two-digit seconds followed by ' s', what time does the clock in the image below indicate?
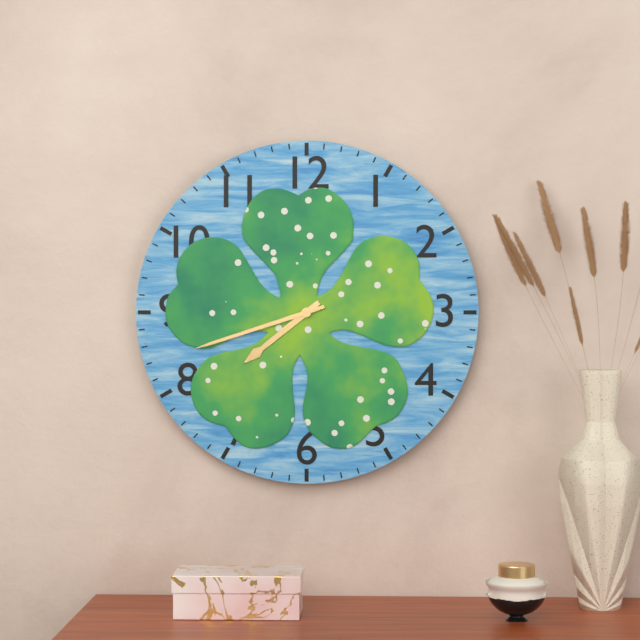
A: 7 h 42 min
